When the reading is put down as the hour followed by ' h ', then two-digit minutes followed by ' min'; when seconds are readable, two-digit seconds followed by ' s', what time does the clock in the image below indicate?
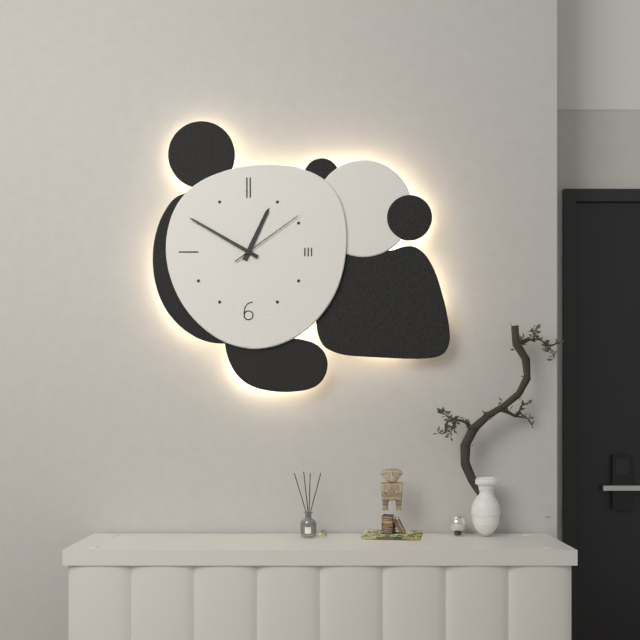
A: 12 h 50 min 09 s
